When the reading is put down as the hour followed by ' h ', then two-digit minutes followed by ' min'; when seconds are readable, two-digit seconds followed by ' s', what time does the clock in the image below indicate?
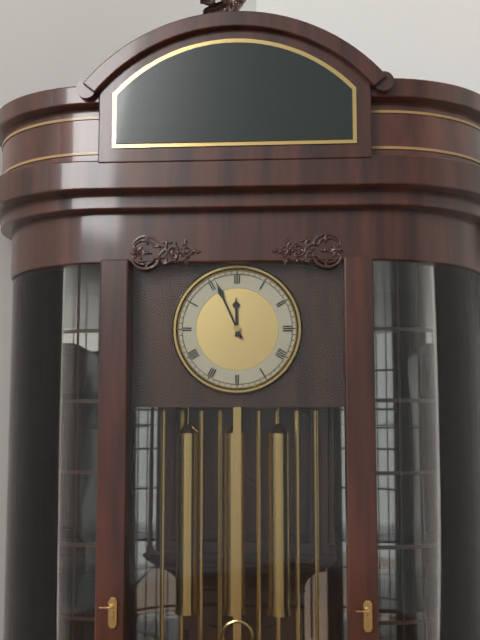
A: 11 h 56 min
